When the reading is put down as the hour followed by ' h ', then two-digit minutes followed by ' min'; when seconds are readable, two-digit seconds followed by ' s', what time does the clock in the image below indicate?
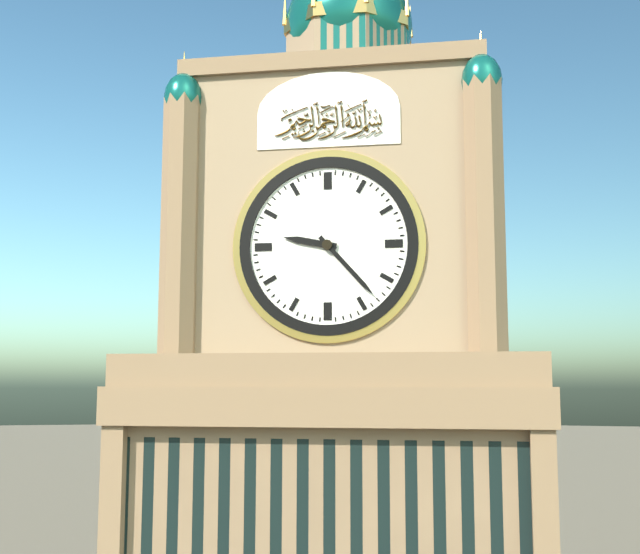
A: 9 h 23 min
